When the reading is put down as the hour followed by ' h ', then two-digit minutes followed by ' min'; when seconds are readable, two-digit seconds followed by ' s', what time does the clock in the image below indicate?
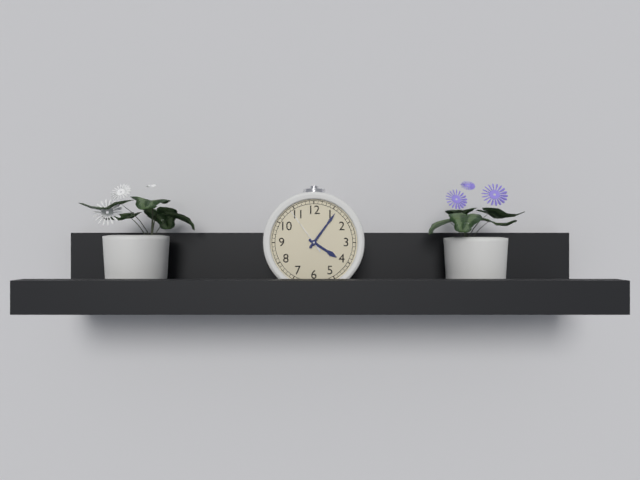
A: 4 h 06 min
